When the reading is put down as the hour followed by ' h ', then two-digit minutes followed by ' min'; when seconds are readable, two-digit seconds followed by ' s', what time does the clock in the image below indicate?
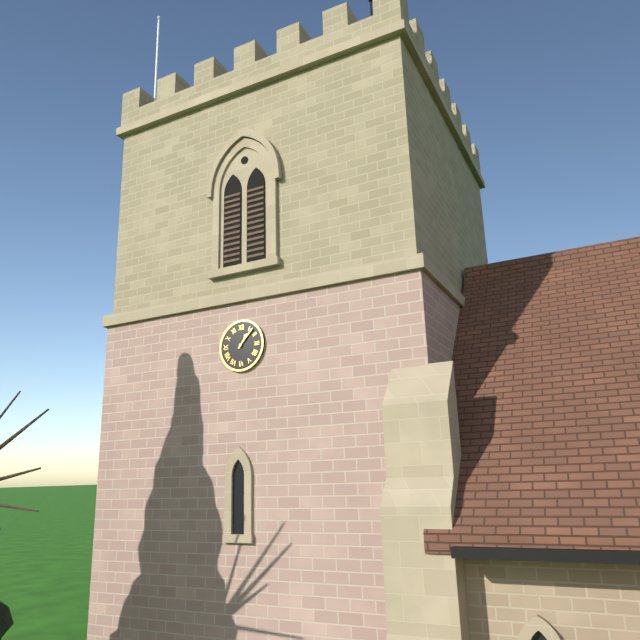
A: 1 h 07 min
